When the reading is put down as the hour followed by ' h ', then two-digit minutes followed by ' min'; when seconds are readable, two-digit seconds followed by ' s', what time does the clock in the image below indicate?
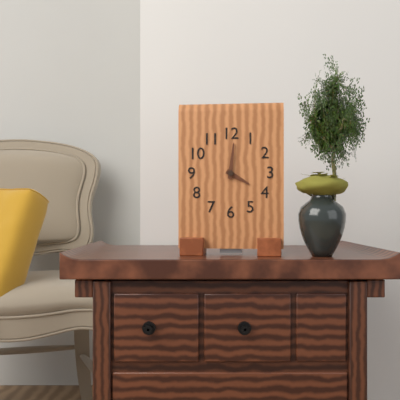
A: 4 h 01 min
